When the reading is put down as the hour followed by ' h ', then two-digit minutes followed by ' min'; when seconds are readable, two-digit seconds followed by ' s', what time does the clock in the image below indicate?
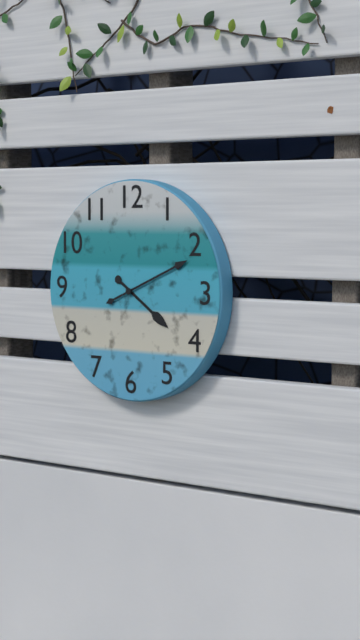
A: 4 h 11 min
